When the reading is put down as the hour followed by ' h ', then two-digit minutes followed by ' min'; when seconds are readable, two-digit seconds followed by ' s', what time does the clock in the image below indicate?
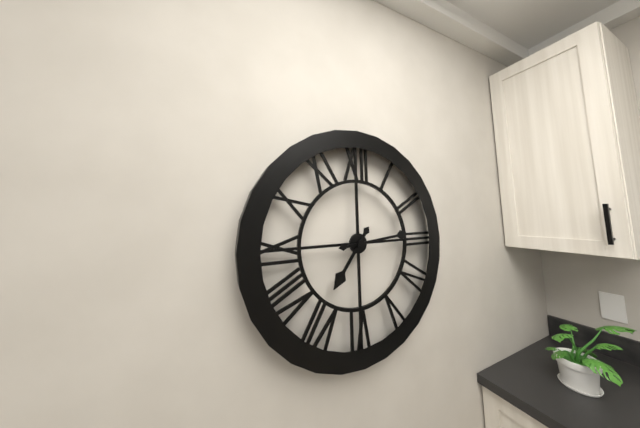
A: 7 h 14 min
